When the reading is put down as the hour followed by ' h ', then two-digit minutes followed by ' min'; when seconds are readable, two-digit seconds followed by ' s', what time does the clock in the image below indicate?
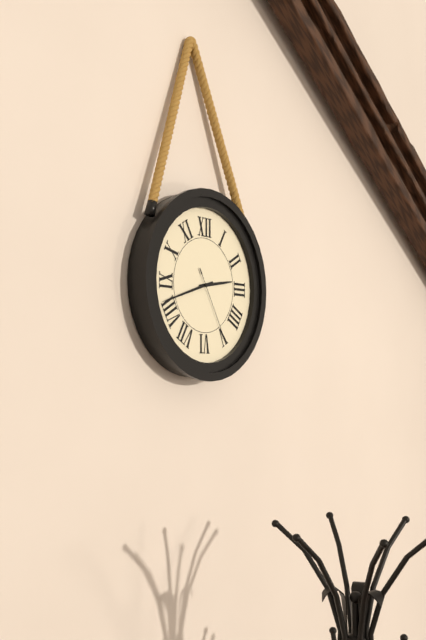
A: 2 h 42 min 25 s
